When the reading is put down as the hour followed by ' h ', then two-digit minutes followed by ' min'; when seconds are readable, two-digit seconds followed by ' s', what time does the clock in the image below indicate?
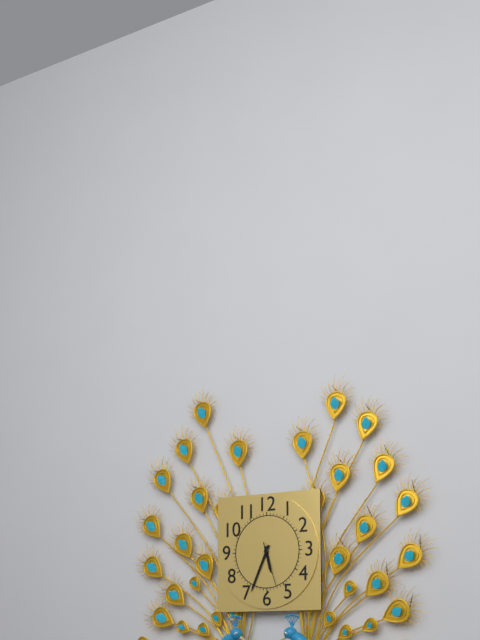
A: 5 h 34 min
